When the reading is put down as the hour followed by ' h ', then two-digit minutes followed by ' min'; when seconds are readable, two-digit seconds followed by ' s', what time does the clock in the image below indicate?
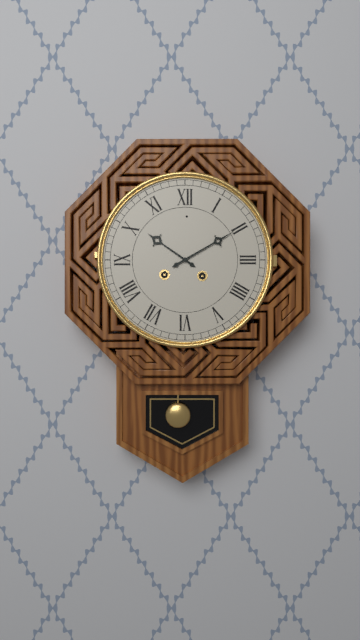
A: 10 h 10 min
